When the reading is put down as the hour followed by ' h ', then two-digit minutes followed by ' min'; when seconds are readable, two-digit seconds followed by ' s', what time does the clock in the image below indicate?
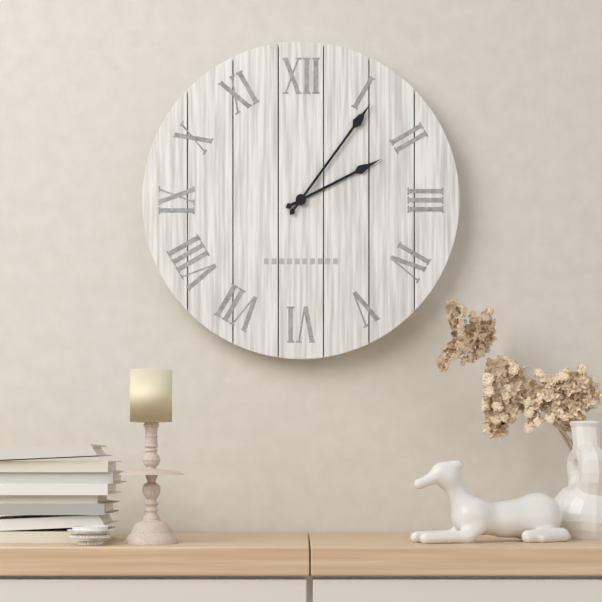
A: 2 h 06 min
